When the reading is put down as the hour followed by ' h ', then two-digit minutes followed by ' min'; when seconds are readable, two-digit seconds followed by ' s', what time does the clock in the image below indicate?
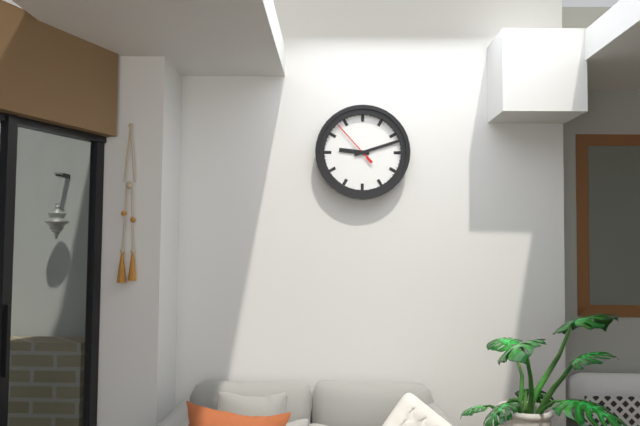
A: 9 h 12 min
